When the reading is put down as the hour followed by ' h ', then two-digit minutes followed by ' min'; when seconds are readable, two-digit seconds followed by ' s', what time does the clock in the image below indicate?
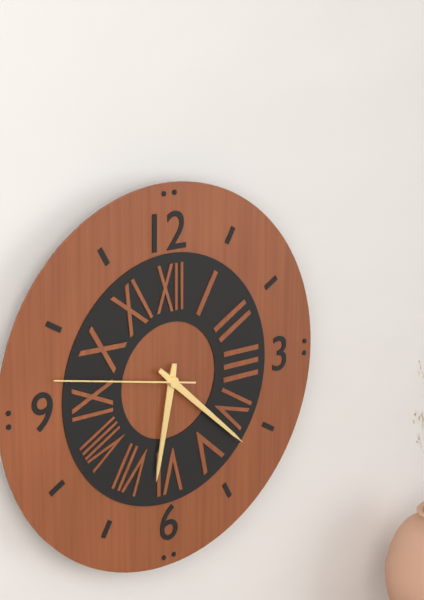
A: 6 h 22 min 47 s
